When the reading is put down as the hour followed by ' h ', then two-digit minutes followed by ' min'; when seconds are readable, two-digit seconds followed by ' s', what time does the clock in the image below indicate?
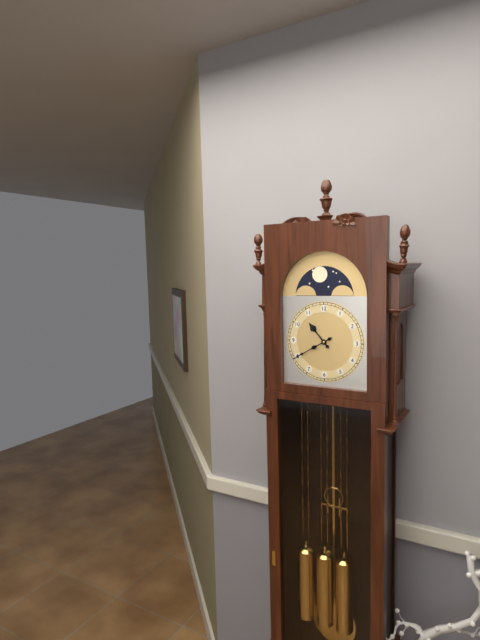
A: 10 h 40 min
